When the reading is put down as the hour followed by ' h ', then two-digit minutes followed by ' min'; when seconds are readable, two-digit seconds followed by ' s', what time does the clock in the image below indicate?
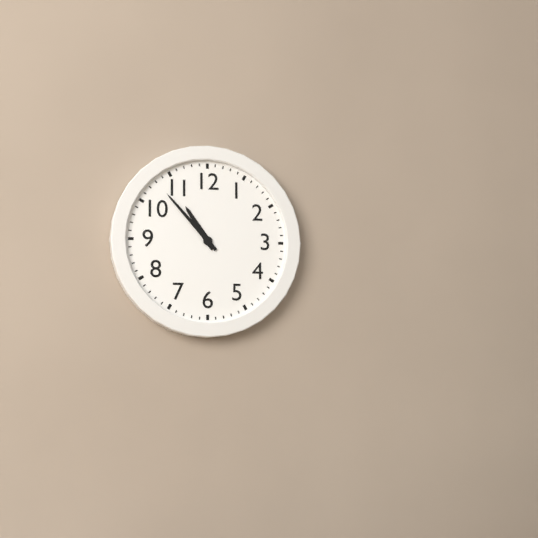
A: 10 h 53 min
